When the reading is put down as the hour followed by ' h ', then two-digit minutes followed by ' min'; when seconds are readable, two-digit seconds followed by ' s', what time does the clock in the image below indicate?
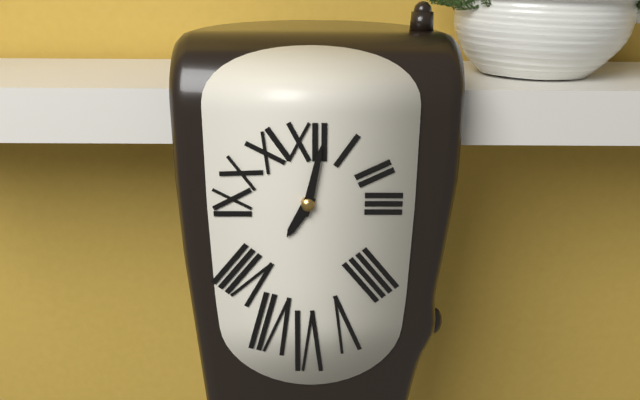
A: 7 h 02 min
